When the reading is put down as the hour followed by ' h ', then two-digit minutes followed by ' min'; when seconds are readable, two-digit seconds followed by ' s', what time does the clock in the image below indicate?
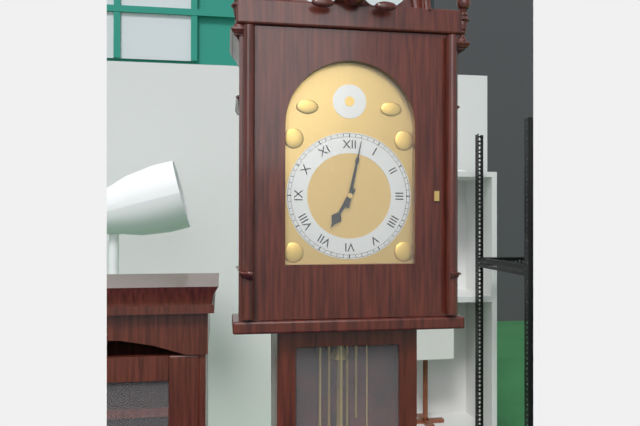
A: 7 h 02 min
